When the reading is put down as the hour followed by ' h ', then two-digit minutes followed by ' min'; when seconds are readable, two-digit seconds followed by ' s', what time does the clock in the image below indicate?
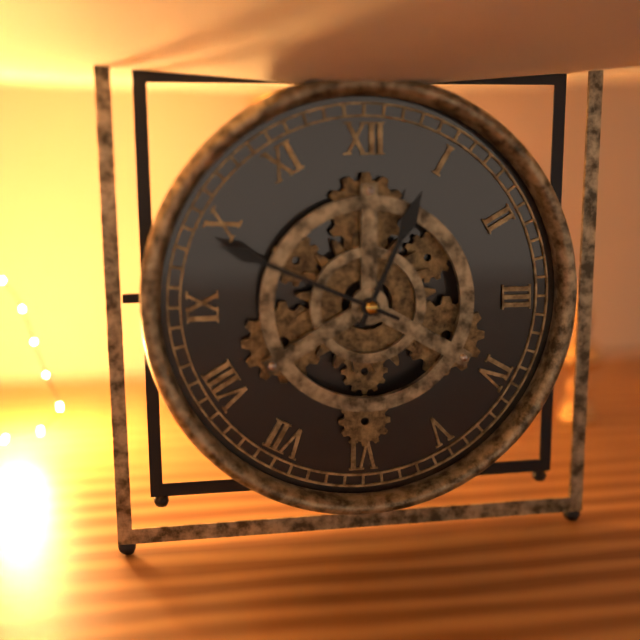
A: 12 h 49 min
